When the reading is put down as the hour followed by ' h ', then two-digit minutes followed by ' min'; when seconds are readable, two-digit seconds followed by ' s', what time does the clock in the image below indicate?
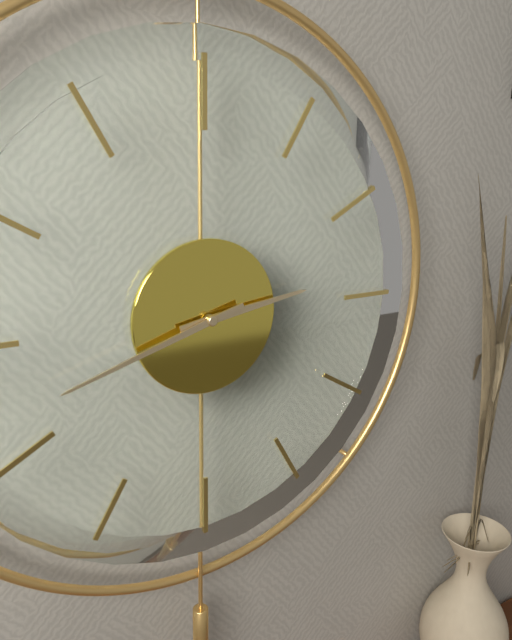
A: 2 h 42 min
